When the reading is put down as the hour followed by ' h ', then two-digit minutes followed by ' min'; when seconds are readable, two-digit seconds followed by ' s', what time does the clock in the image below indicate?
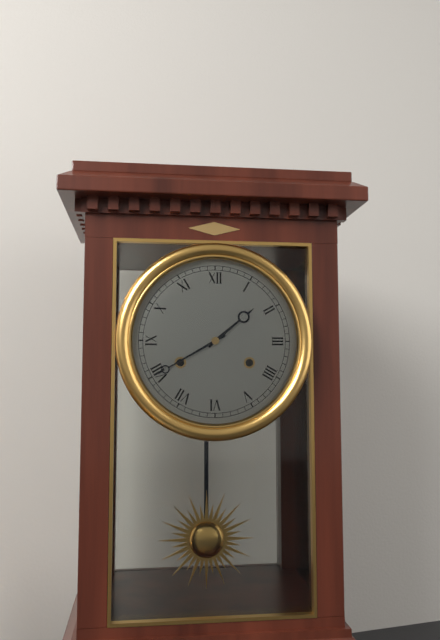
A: 1 h 40 min
